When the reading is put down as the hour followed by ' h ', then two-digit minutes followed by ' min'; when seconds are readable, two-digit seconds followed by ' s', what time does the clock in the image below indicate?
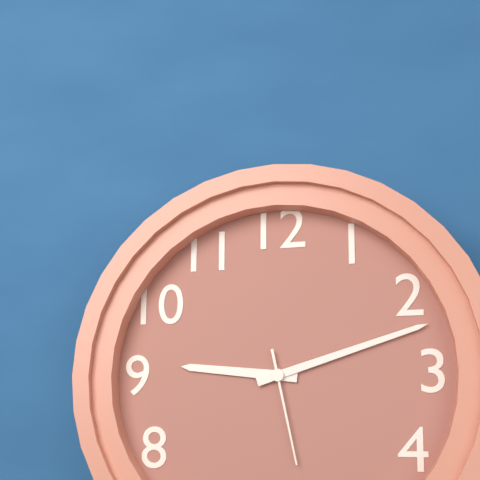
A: 9 h 12 min 28 s
